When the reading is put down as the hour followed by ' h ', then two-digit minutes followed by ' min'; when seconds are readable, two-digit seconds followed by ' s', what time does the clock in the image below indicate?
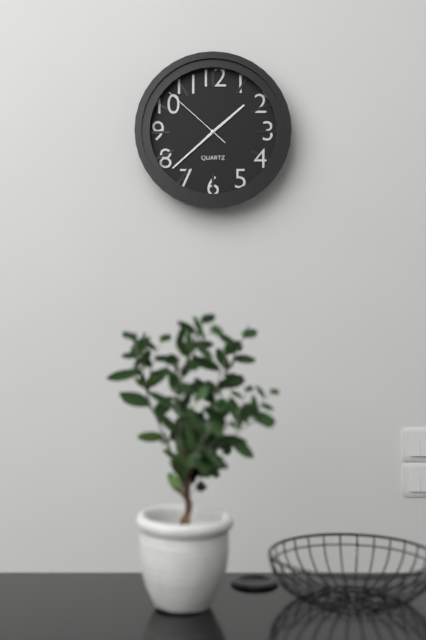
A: 1 h 38 min 52 s
